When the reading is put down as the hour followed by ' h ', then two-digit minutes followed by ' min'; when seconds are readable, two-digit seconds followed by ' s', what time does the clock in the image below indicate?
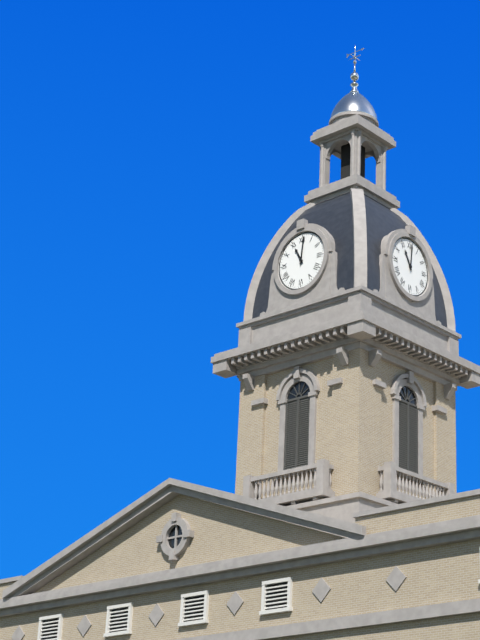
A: 11 h 01 min
